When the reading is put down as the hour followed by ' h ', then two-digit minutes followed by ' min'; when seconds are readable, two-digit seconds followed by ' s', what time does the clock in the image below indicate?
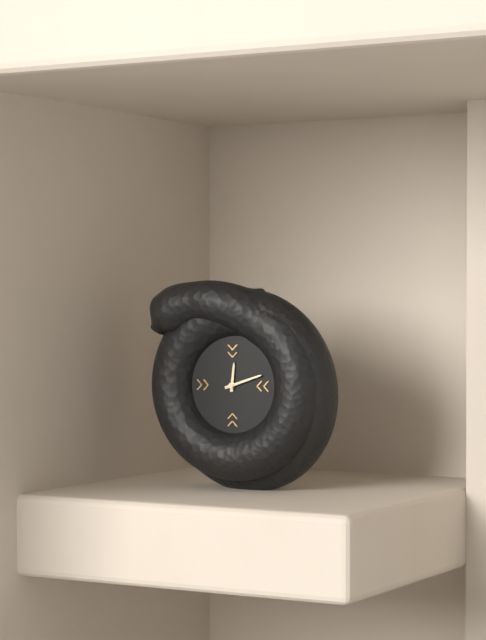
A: 12 h 12 min
